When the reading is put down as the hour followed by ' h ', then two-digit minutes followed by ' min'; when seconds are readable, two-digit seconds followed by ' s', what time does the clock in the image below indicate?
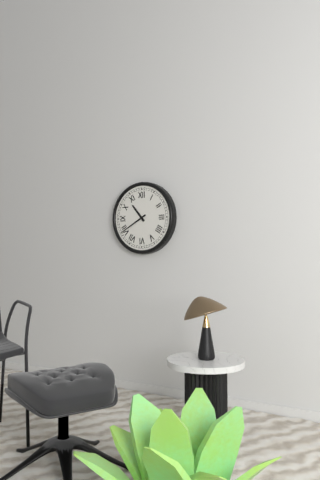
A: 10 h 40 min
